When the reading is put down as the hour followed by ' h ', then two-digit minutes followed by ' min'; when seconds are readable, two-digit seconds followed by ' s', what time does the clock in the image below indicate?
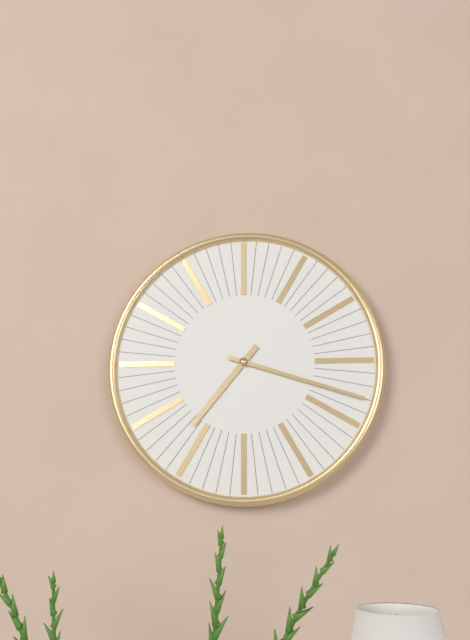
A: 7 h 18 min
